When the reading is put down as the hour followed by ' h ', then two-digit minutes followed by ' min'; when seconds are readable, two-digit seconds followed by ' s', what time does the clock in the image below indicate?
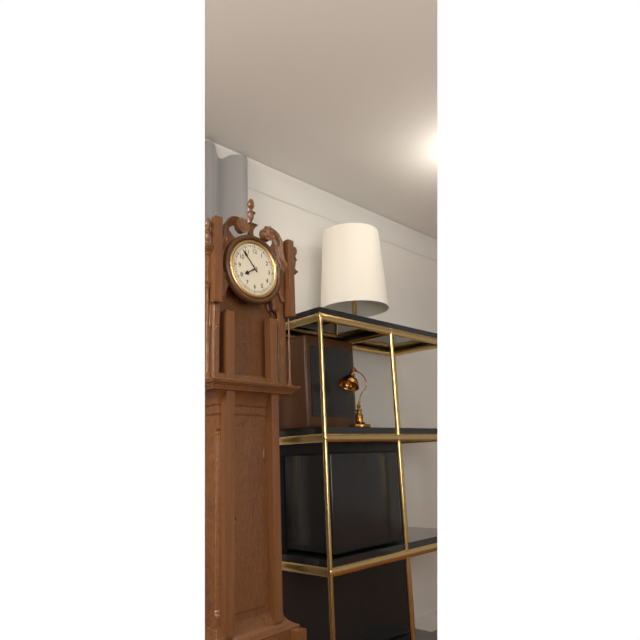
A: 7 h 53 min
